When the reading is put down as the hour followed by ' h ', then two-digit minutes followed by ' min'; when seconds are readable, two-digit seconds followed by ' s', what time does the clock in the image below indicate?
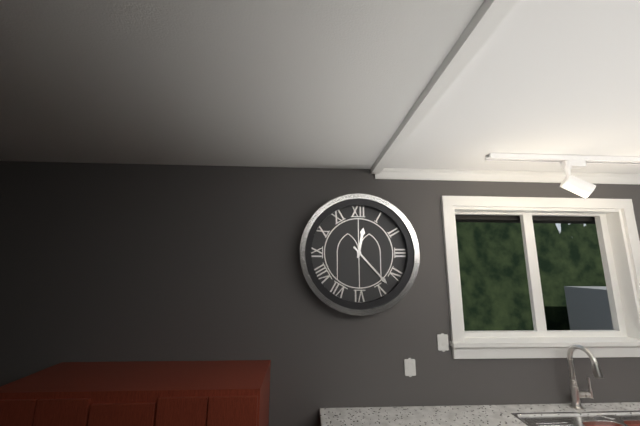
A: 12 h 23 min
